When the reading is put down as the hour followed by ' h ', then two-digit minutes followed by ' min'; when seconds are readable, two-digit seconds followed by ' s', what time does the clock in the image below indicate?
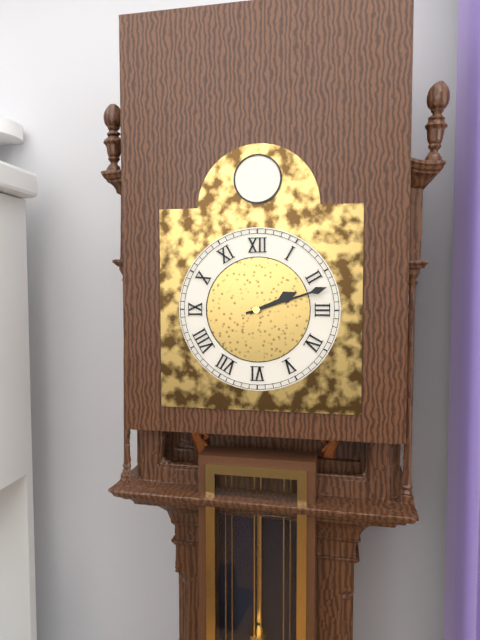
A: 2 h 12 min
